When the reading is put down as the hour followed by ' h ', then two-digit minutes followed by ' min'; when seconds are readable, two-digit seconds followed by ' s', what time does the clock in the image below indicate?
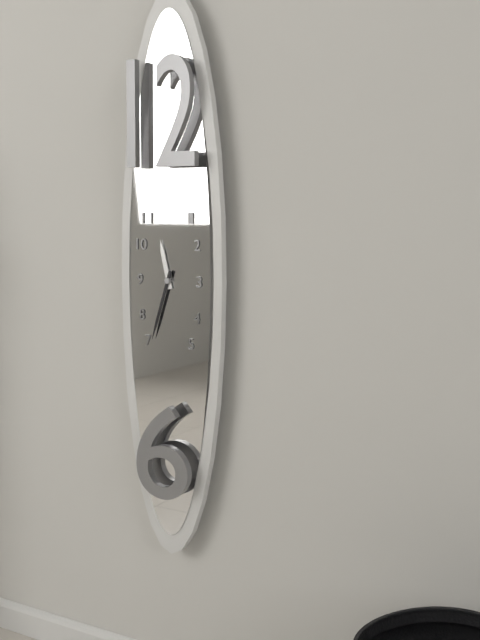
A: 11 h 33 min
